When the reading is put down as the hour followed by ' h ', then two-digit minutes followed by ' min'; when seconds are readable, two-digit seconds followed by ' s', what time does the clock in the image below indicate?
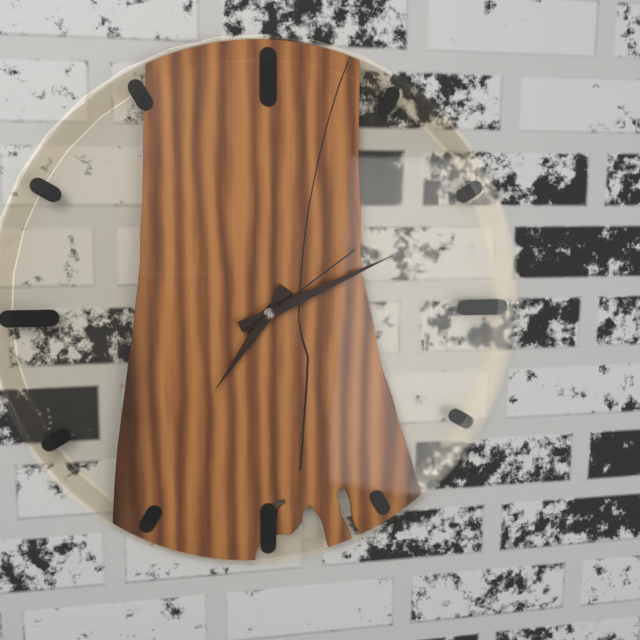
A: 7 h 11 min 09 s
